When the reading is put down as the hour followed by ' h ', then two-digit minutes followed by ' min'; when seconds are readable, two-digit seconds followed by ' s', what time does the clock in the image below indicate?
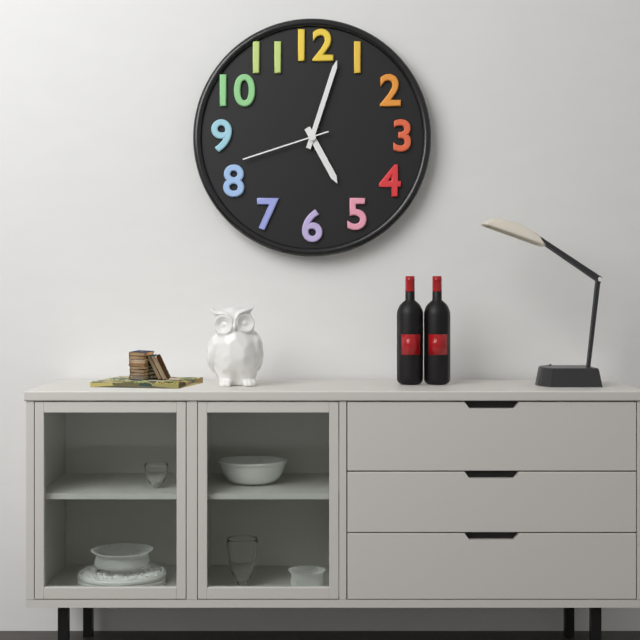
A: 5 h 03 min 42 s
